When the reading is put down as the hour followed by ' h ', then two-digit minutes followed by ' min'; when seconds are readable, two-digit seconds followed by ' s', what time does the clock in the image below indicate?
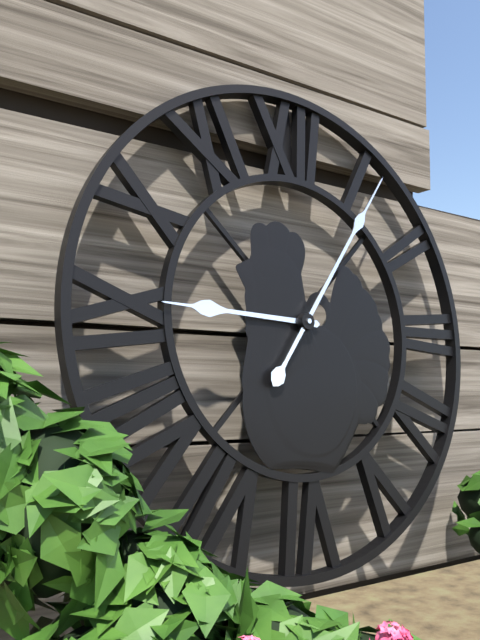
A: 9 h 06 min
